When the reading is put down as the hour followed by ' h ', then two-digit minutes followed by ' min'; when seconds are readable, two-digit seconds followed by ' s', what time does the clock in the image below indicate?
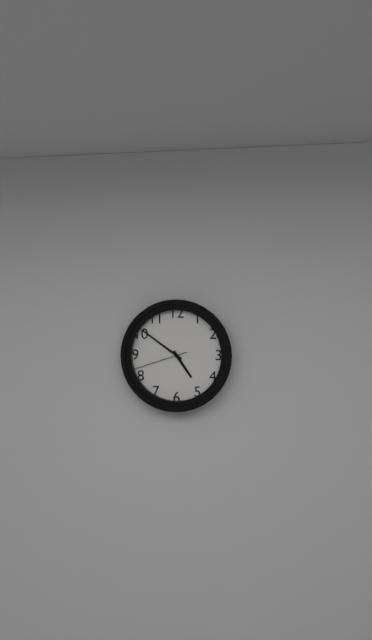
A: 4 h 51 min 42 s
